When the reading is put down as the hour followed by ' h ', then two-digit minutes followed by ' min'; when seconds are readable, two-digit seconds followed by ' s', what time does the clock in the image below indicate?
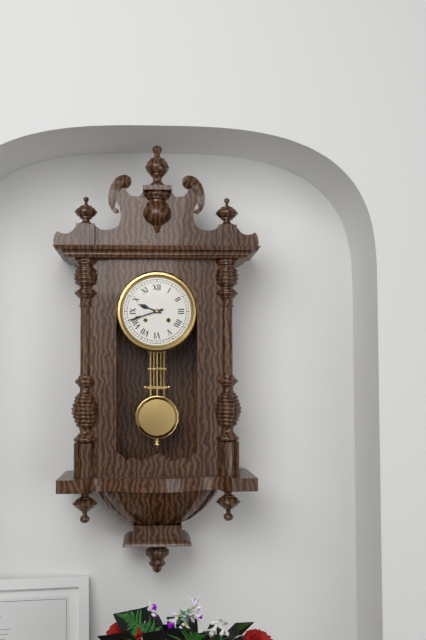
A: 9 h 42 min
